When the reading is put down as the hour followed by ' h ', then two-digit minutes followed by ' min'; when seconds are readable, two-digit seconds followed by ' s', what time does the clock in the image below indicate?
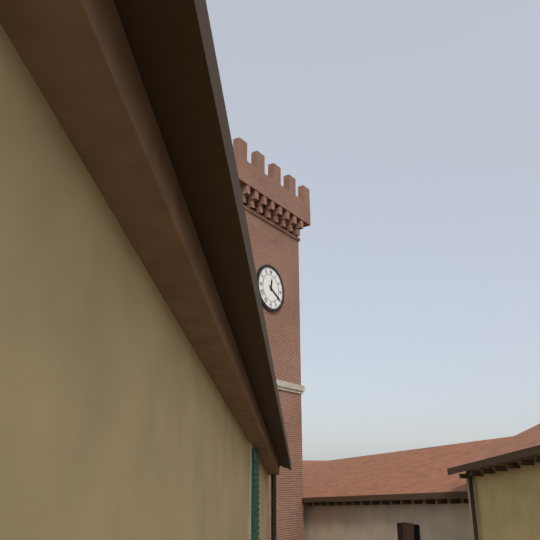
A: 12 h 20 min
